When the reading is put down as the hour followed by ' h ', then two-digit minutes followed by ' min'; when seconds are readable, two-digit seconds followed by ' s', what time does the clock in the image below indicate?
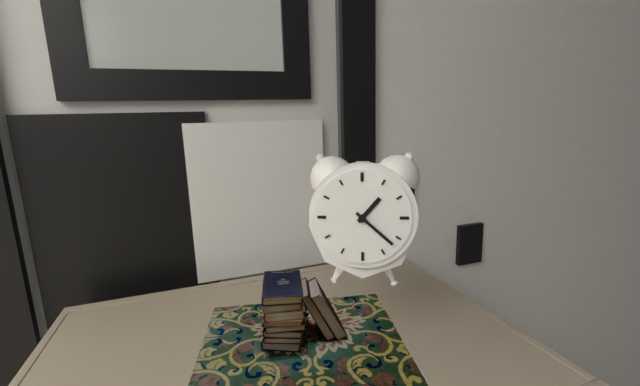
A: 1 h 22 min
